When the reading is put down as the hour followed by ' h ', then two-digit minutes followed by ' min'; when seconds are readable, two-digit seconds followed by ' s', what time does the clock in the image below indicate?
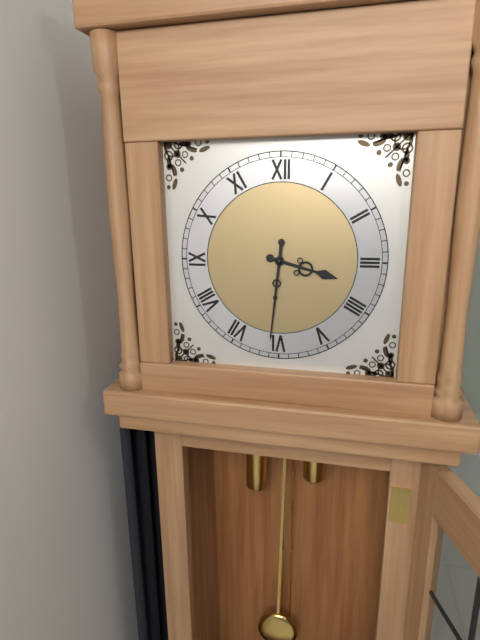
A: 3 h 31 min
